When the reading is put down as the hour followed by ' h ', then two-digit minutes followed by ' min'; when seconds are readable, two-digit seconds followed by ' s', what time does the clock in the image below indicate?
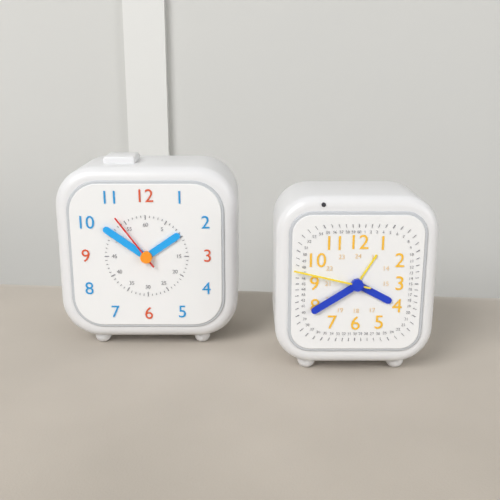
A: 1 h 51 min 54 s
